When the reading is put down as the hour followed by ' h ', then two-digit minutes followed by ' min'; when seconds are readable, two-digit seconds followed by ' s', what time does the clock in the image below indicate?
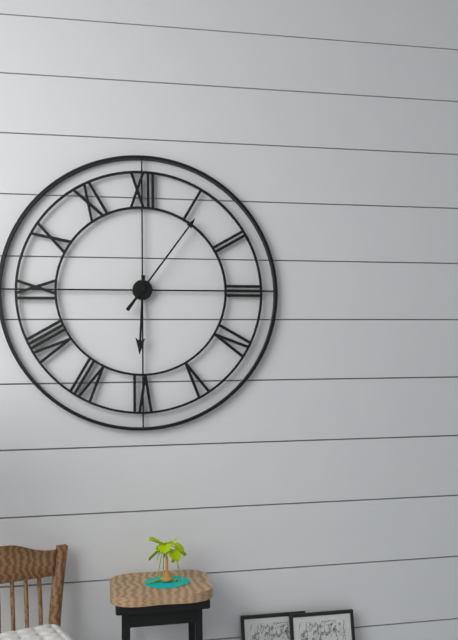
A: 6 h 06 min
